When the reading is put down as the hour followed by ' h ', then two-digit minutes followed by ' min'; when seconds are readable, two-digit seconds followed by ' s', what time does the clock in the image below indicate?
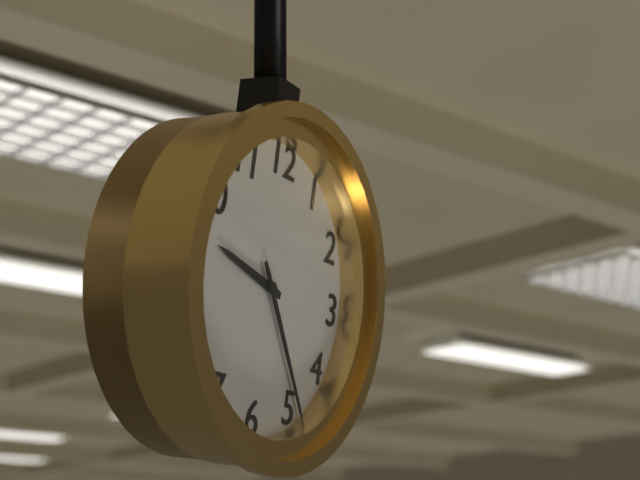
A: 9 h 24 min
